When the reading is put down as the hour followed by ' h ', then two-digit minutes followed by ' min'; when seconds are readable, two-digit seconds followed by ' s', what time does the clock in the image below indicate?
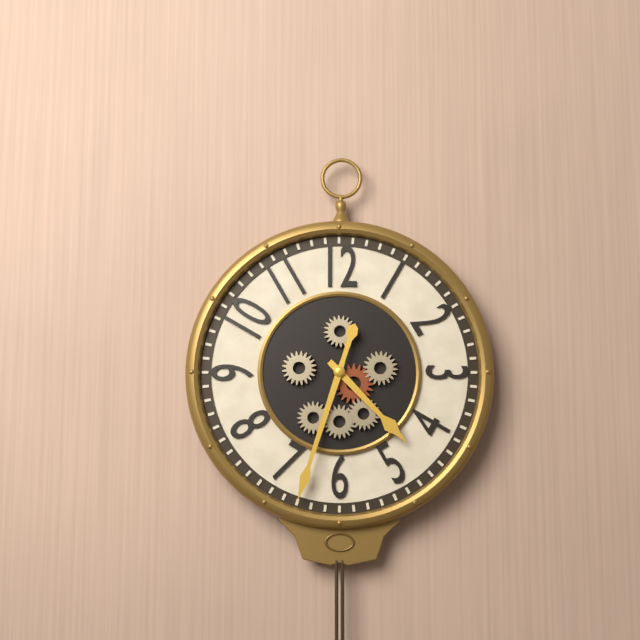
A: 4 h 33 min
